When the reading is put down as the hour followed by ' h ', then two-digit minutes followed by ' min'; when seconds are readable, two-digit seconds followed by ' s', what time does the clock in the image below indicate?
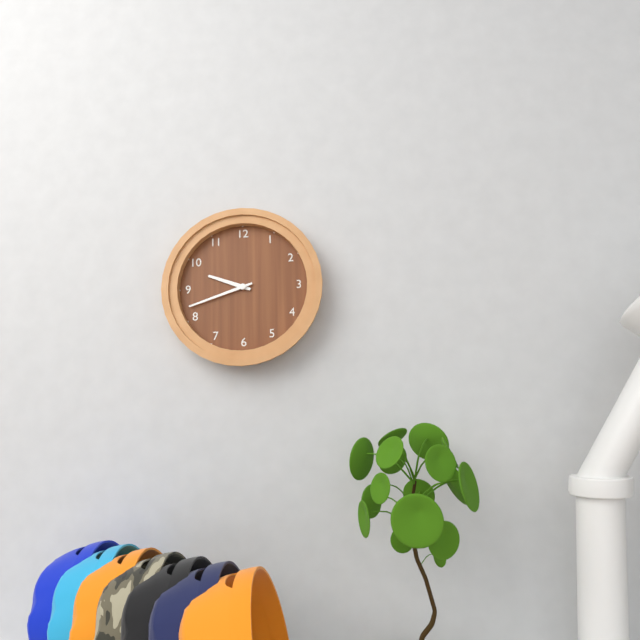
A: 9 h 42 min
